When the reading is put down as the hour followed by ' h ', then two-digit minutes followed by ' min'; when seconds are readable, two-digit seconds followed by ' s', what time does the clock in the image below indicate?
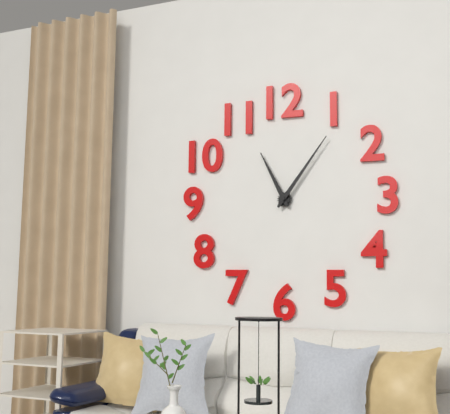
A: 11 h 06 min
